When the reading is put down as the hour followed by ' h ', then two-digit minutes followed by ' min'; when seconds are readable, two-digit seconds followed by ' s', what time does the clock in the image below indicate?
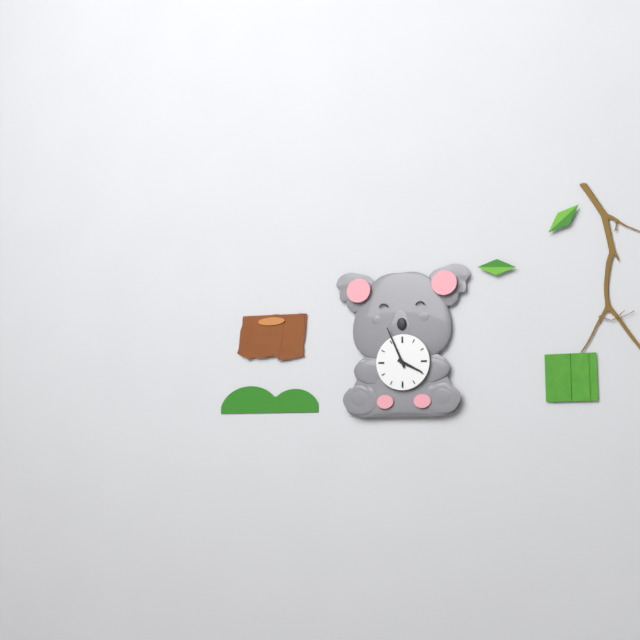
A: 3 h 56 min
